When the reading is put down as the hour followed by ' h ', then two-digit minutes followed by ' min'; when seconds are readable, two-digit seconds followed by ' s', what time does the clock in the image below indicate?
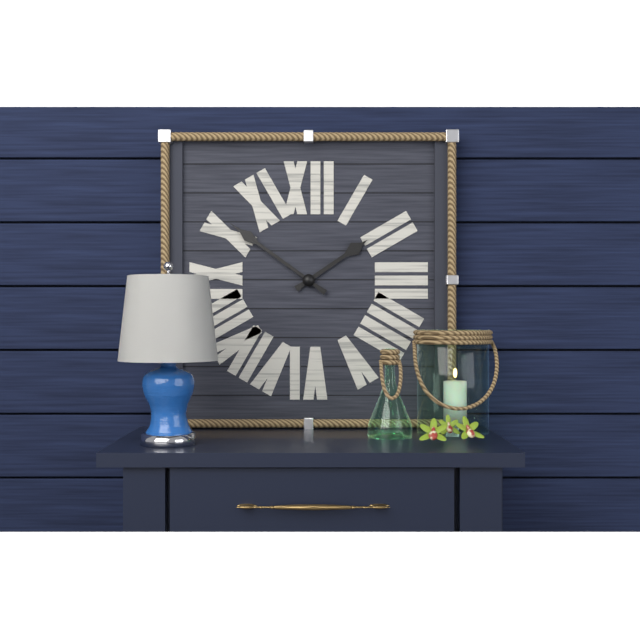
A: 1 h 51 min
